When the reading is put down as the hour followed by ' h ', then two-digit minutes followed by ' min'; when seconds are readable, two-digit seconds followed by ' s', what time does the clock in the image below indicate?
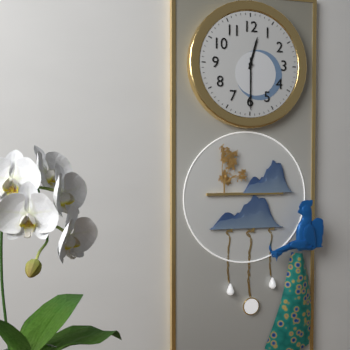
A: 12 h 30 min
